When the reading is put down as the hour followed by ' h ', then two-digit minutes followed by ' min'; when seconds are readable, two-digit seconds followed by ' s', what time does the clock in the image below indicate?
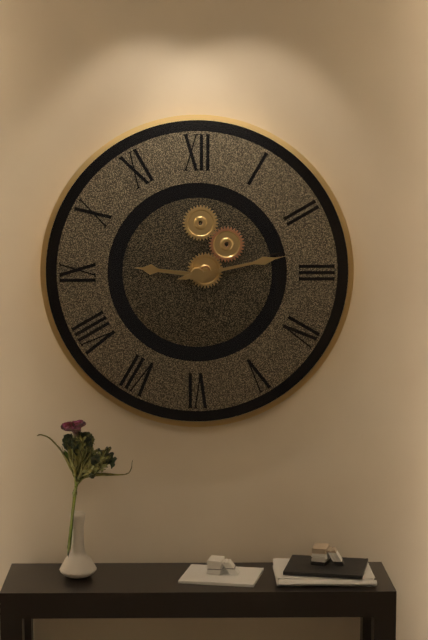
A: 9 h 13 min
